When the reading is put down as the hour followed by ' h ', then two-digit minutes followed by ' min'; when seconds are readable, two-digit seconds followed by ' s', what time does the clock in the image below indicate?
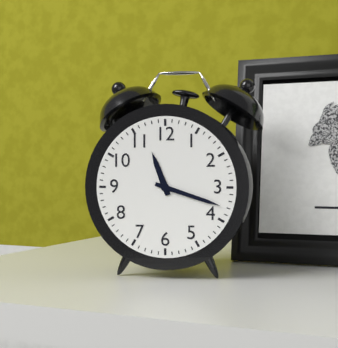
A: 11 h 18 min
